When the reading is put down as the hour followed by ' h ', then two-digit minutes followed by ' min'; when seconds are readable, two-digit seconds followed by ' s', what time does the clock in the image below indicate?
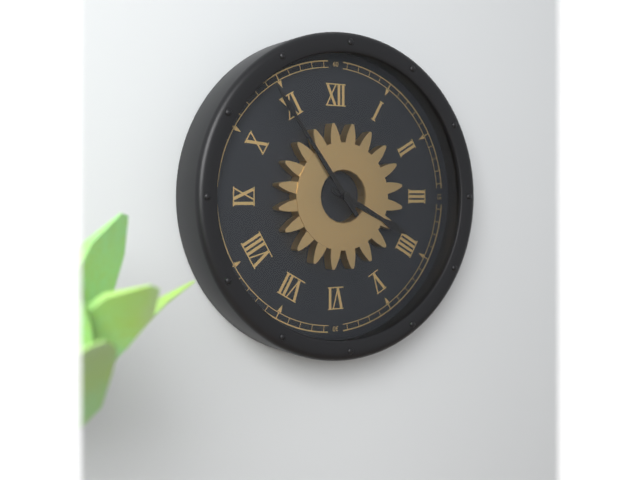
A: 3 h 54 min
